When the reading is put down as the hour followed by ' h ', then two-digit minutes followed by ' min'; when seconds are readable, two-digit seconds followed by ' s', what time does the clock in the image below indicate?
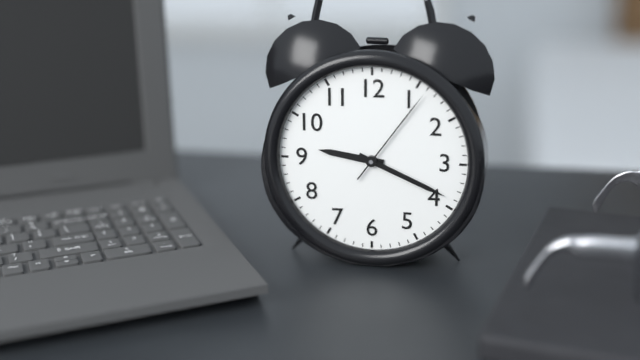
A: 9 h 19 min 06 s
